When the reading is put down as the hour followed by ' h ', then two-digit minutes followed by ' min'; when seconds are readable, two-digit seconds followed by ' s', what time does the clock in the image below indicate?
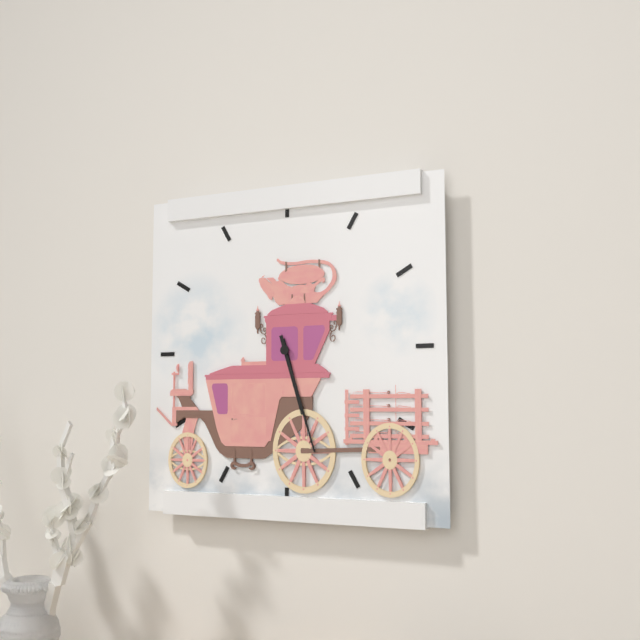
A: 5 h 27 min
